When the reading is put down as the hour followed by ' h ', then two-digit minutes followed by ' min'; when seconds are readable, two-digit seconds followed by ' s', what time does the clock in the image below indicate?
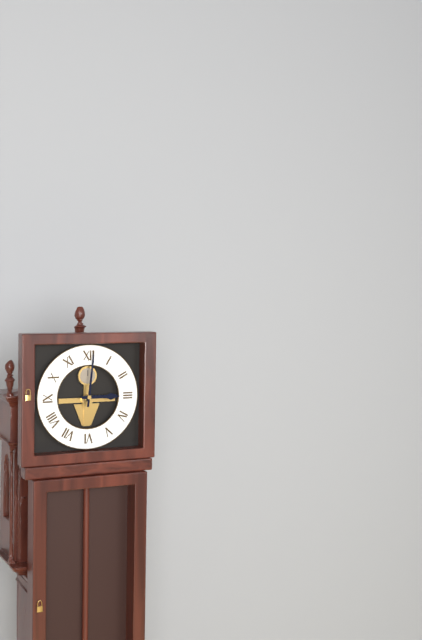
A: 3 h 01 min
